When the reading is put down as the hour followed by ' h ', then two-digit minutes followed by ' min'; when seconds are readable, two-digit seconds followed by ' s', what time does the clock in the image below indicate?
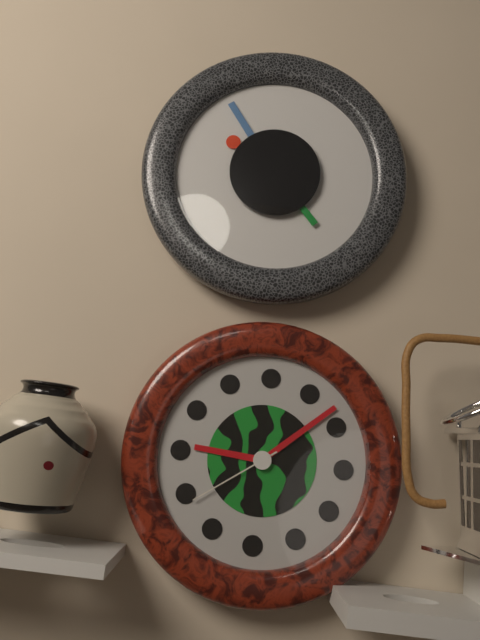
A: 9 h 08 min 39 s
